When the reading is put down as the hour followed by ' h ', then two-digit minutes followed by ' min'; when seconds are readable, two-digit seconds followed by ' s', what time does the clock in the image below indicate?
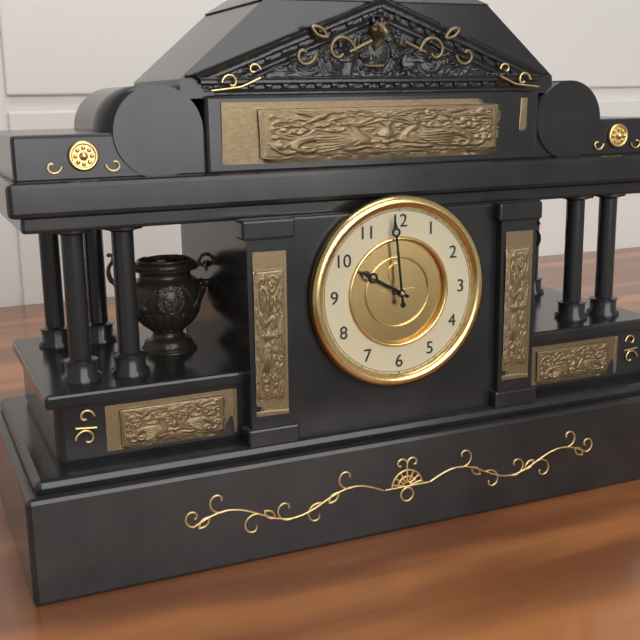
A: 9 h 59 min
